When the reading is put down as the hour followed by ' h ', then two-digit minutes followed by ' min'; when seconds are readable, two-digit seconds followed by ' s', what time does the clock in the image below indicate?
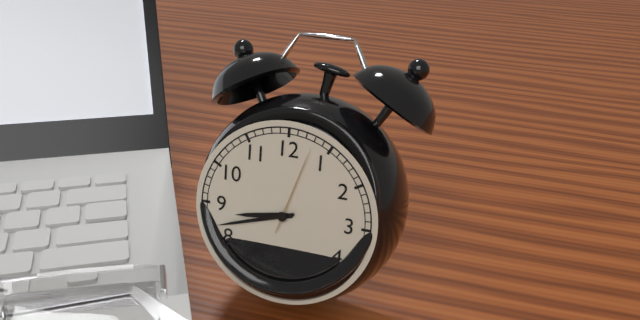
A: 8 h 42 min 03 s
